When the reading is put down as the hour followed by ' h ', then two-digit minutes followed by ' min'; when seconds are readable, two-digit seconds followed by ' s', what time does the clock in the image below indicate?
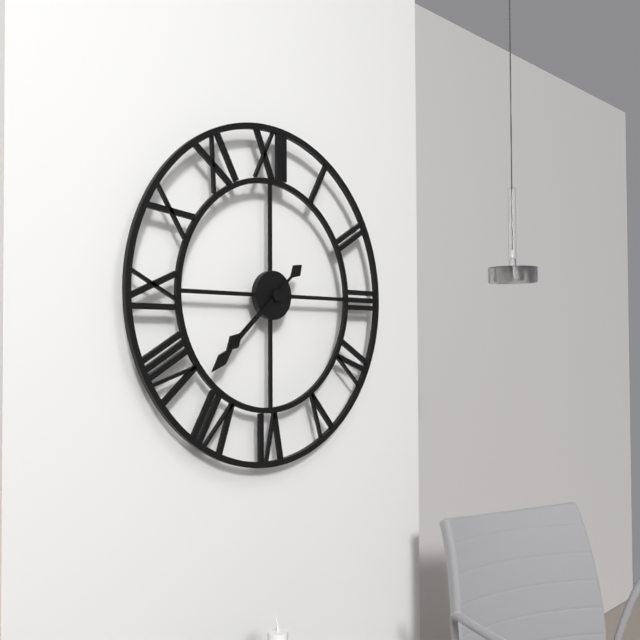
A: 7 h 38 min
